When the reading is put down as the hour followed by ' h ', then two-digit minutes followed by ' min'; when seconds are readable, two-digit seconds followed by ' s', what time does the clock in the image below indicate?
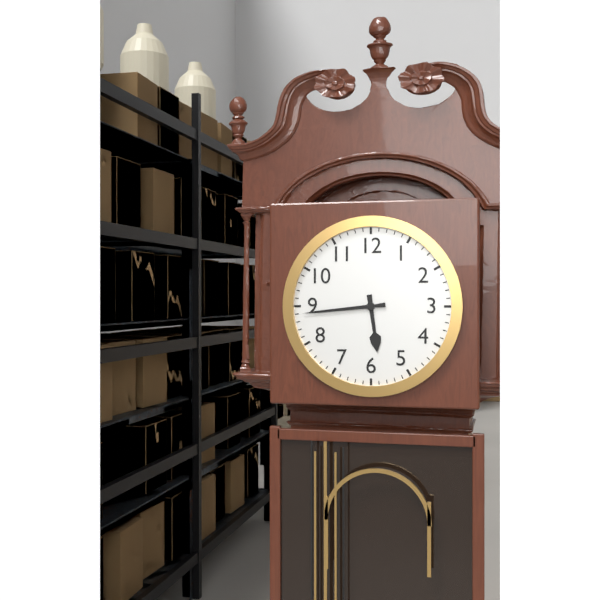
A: 5 h 44 min
